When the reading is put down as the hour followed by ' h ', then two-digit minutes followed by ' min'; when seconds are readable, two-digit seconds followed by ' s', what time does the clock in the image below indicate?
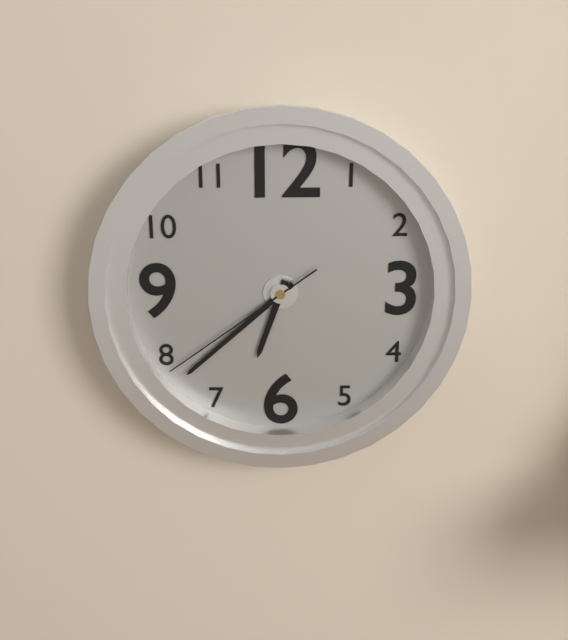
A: 6 h 38 min 39 s
